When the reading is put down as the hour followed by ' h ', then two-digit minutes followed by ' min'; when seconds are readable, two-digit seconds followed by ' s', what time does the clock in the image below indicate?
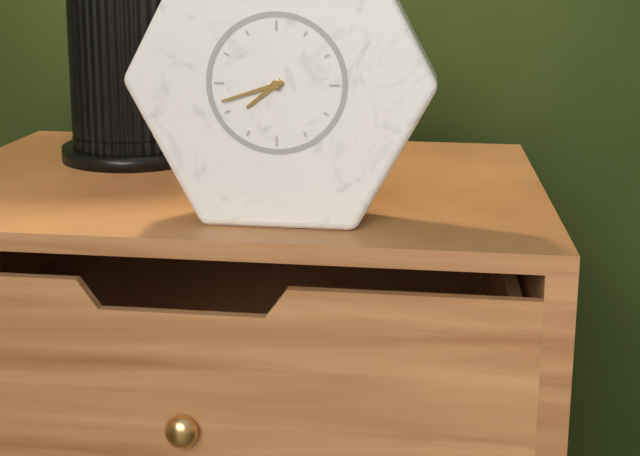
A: 7 h 42 min
